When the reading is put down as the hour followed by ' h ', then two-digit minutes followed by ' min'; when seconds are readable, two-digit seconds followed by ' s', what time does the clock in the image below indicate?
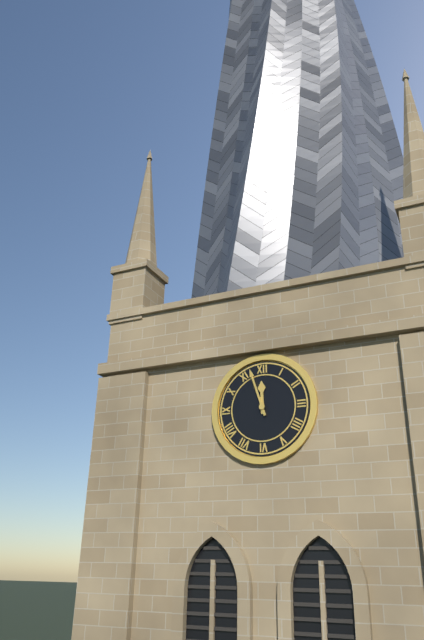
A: 11 h 57 min
